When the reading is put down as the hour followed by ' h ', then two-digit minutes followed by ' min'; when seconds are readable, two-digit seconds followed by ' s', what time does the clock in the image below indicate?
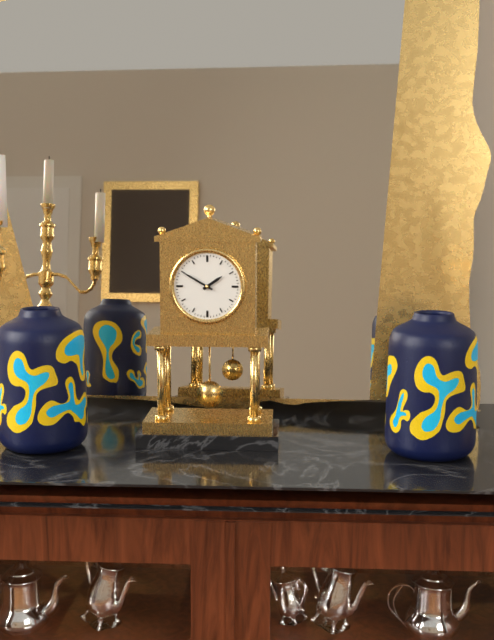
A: 1 h 50 min
